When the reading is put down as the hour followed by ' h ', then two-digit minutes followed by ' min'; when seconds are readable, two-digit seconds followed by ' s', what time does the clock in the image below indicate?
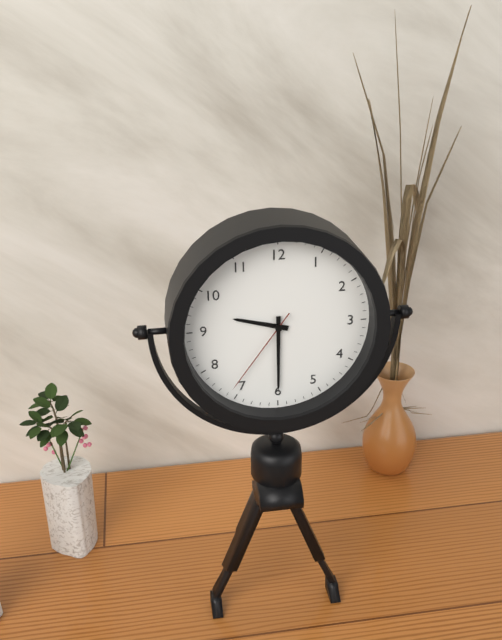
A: 9 h 30 min 36 s
